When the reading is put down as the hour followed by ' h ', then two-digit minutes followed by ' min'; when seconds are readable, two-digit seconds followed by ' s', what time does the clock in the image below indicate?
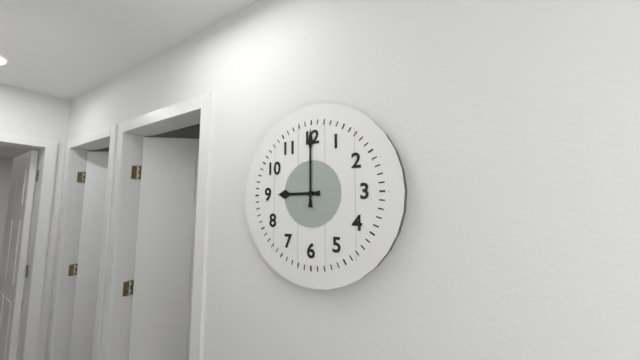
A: 9 h 00 min
